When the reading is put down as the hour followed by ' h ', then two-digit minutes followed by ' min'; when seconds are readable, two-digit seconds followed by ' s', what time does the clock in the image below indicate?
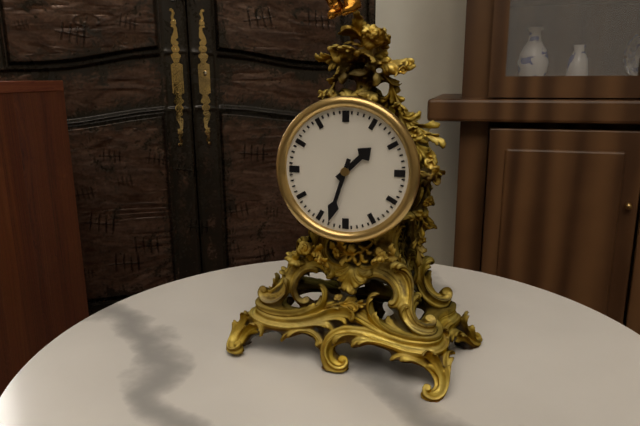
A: 1 h 33 min
